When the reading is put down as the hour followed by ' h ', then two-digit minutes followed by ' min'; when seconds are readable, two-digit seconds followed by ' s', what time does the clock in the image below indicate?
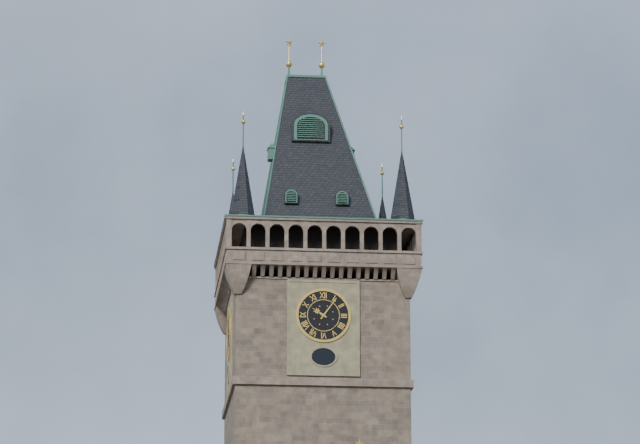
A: 10 h 06 min
